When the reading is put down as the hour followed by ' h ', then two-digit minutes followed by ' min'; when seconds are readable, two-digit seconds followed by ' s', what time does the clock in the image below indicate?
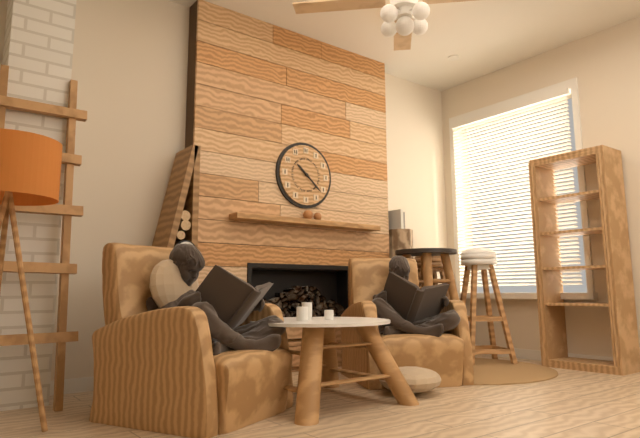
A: 10 h 22 min
